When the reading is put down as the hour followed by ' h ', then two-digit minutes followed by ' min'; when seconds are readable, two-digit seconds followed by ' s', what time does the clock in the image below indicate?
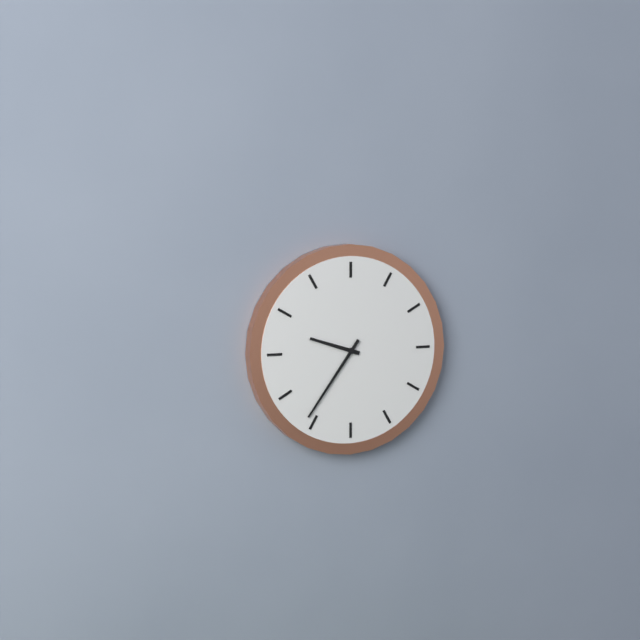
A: 9 h 36 min
